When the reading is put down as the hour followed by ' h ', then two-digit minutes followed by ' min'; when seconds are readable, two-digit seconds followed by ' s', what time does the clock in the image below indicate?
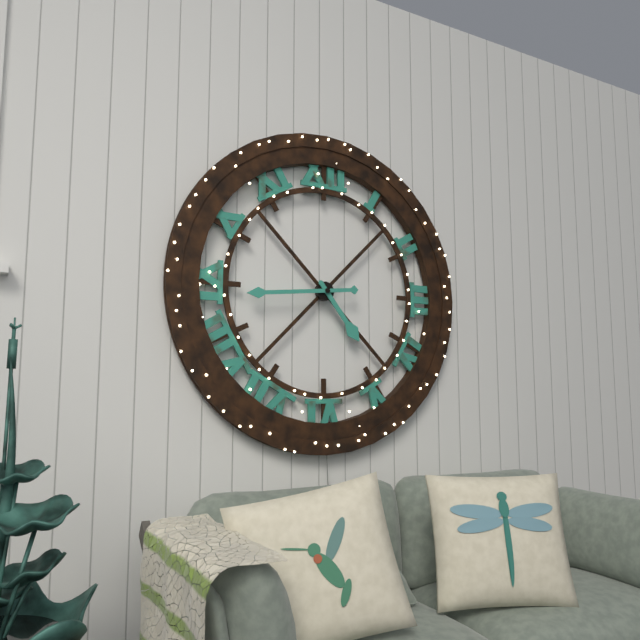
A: 4 h 44 min
